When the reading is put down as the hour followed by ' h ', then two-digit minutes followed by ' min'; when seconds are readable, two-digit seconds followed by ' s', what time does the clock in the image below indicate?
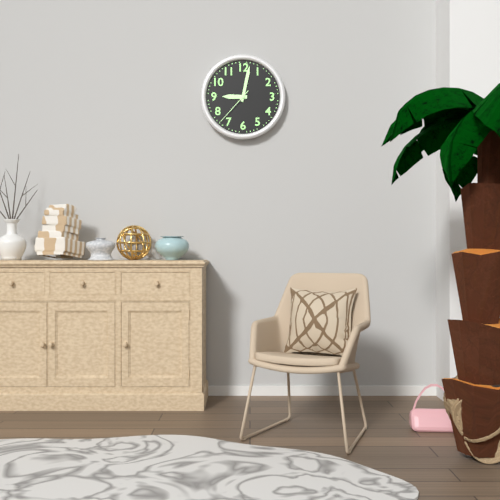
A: 9 h 02 min
